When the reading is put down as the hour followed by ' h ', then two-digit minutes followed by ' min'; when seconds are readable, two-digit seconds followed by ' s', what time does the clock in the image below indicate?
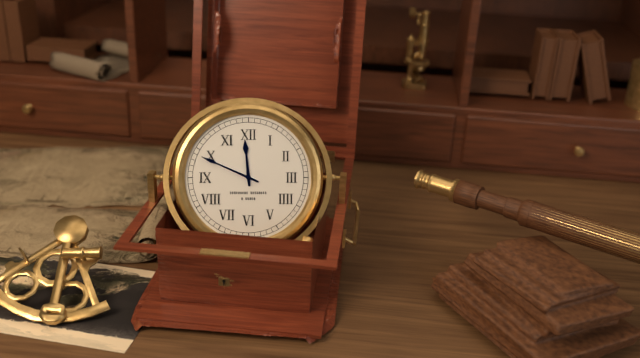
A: 11 h 49 min
